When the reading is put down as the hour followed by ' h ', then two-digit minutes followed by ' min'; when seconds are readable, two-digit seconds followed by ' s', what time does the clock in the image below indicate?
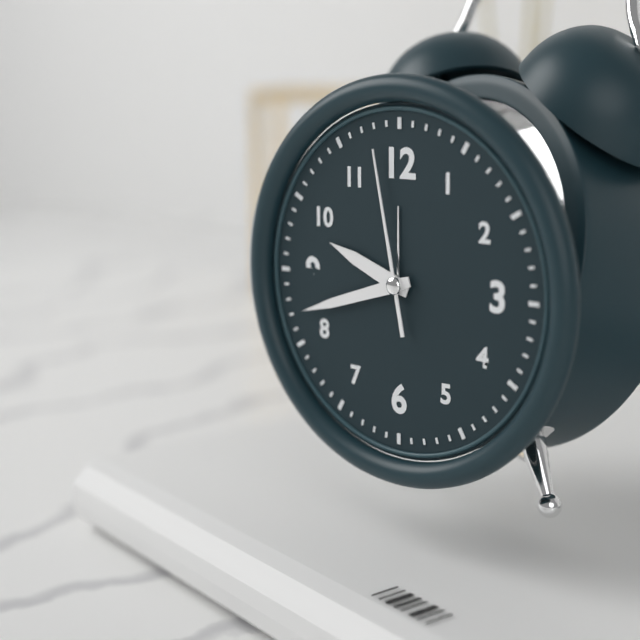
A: 9 h 42 min 58 s
